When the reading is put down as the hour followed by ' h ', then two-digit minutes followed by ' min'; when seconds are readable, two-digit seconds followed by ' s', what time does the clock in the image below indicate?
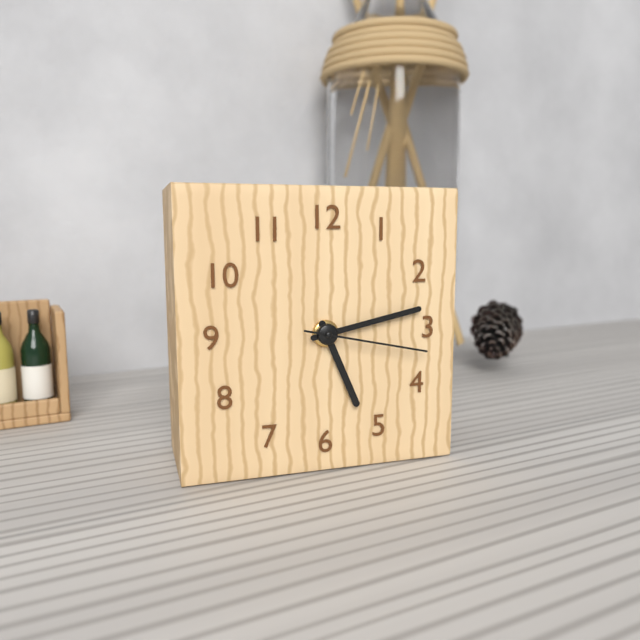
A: 5 h 13 min 17 s
